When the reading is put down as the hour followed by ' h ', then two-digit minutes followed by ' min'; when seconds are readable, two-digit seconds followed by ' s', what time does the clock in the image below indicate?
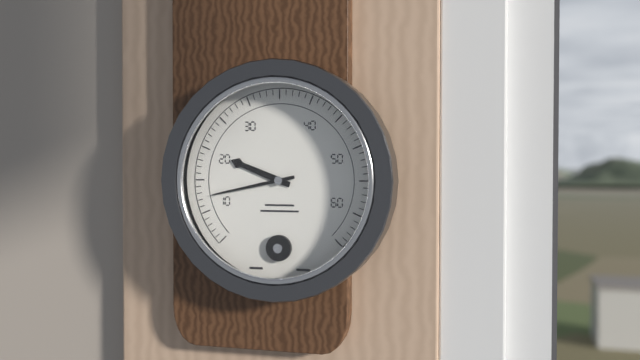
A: 9 h 43 min
